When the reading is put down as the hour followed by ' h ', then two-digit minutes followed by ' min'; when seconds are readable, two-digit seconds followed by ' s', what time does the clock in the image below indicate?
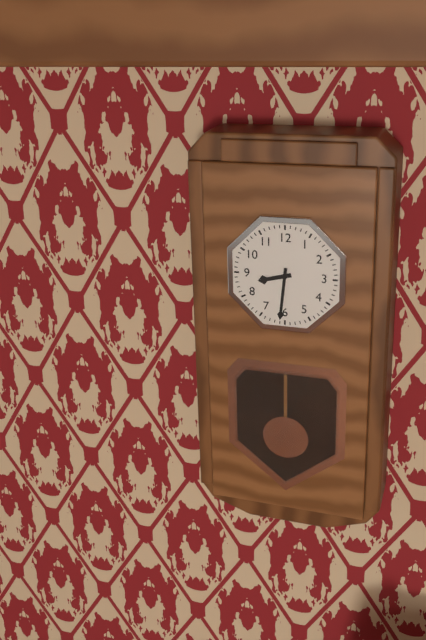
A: 8 h 31 min
